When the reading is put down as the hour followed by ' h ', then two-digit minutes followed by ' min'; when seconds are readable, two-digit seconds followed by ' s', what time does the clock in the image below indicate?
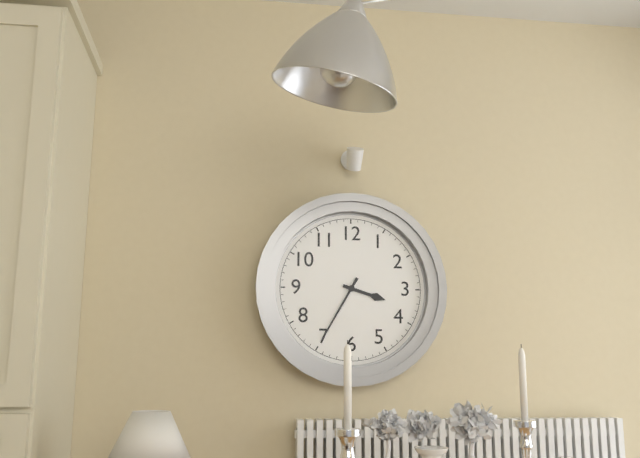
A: 3 h 35 min
